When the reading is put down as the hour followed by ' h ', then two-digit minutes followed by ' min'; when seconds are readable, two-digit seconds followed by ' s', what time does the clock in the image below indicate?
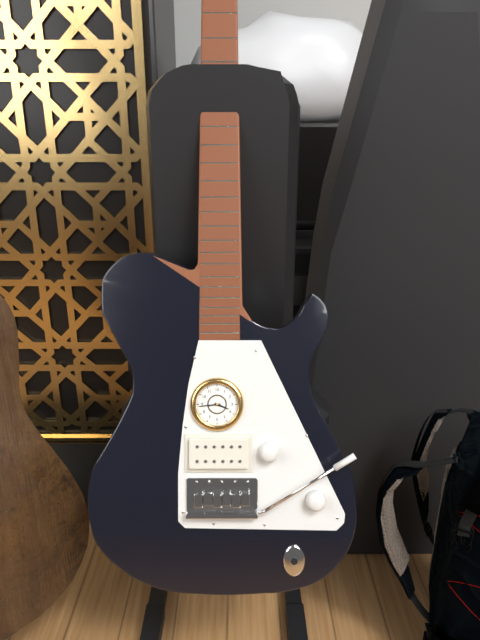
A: 3 h 44 min
